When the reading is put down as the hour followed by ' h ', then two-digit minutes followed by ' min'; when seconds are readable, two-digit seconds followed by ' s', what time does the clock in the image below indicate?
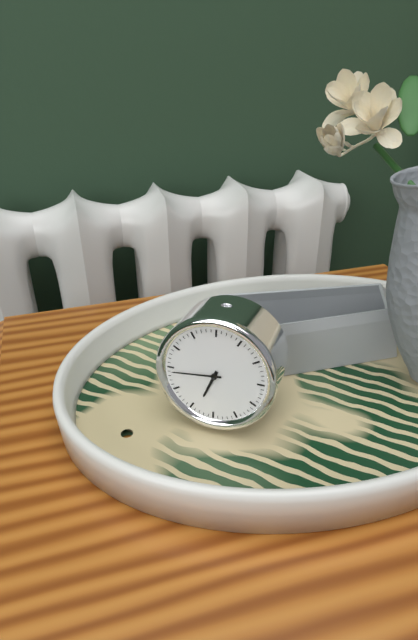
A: 6 h 44 min
